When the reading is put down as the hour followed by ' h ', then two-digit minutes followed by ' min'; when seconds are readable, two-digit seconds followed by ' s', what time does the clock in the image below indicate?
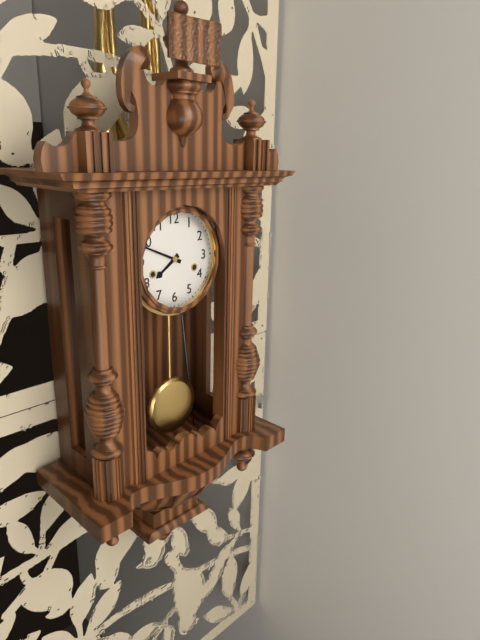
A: 7 h 49 min
